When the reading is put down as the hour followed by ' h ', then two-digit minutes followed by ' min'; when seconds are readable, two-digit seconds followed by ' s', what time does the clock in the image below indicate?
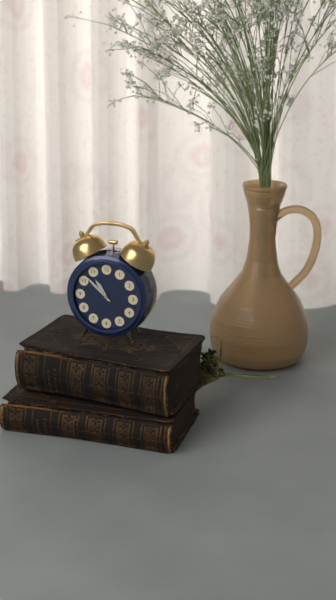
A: 10 h 52 min
